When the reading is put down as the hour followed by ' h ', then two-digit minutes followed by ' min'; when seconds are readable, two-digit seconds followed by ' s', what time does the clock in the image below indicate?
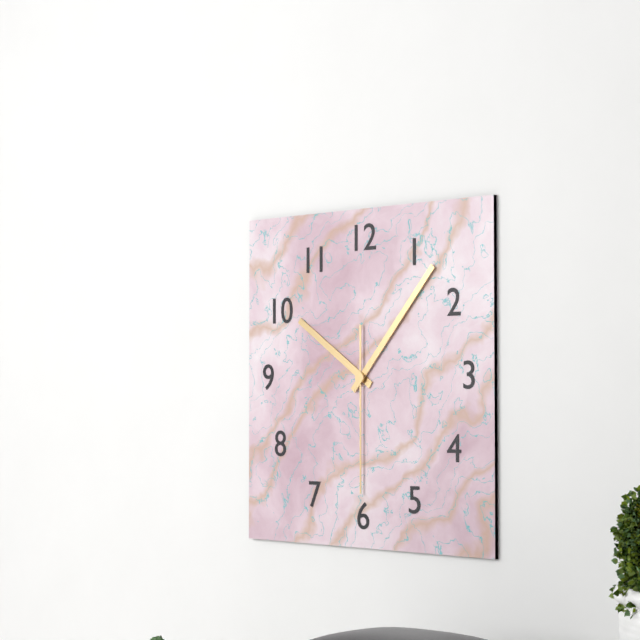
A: 10 h 07 min 30 s
